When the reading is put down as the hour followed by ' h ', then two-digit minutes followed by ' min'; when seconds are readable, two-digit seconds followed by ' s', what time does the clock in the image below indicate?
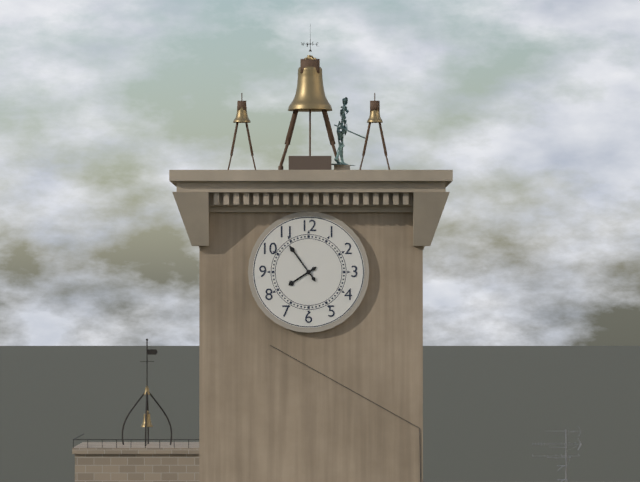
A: 7 h 54 min
